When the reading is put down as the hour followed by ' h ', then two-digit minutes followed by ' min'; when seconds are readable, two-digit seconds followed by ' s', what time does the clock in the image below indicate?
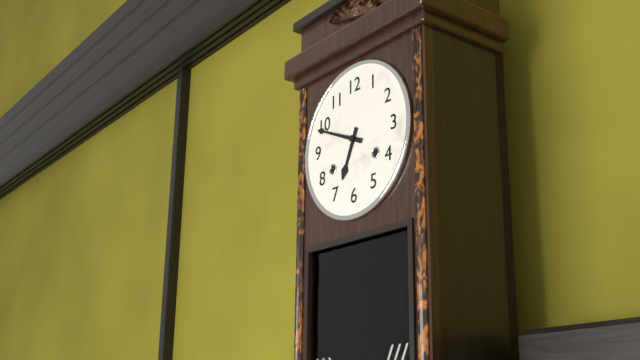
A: 6 h 49 min
